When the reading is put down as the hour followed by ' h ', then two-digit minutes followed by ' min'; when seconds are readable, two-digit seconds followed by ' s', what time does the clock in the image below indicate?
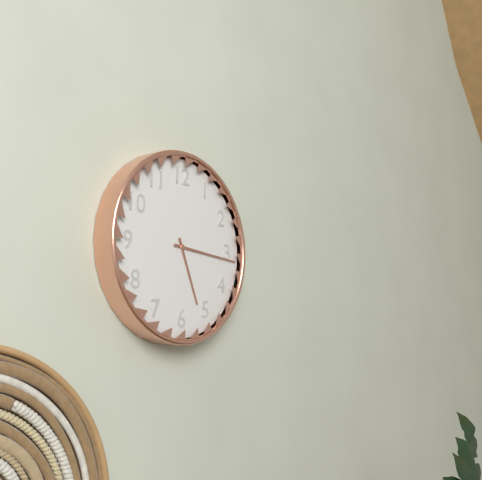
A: 5 h 16 min
